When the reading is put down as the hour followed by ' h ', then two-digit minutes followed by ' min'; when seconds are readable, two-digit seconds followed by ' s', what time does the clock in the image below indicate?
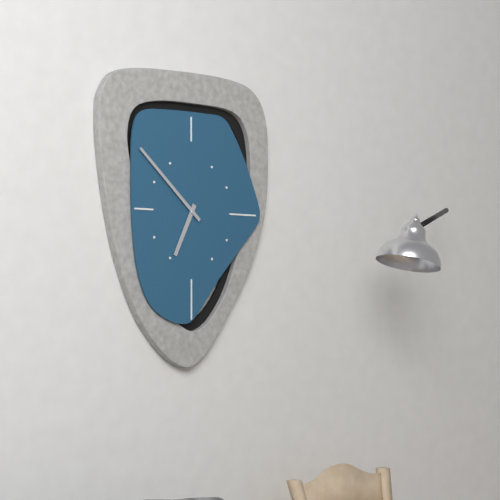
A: 6 h 52 min
